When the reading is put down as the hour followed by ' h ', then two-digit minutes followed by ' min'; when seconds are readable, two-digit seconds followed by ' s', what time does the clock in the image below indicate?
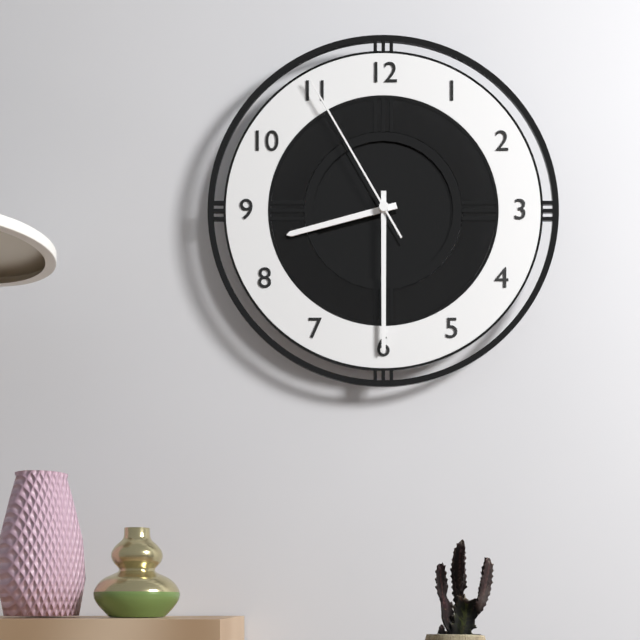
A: 8 h 30 min 55 s
